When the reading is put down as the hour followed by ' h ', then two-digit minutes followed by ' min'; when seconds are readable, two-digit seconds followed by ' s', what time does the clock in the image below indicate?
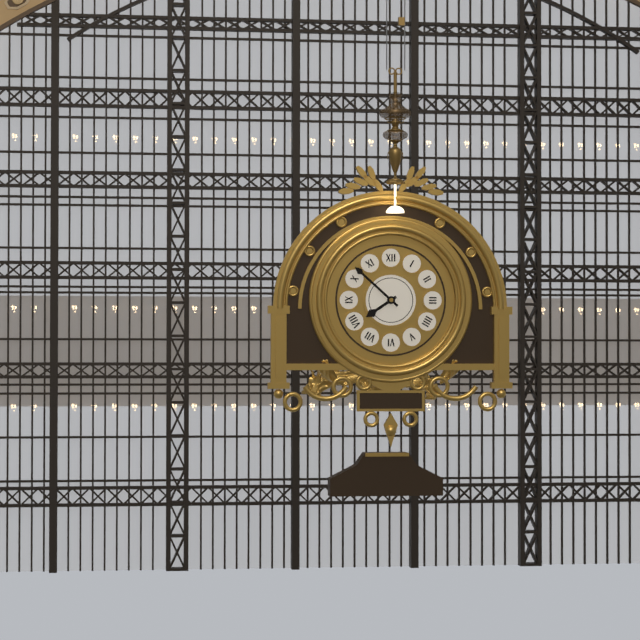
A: 7 h 52 min
